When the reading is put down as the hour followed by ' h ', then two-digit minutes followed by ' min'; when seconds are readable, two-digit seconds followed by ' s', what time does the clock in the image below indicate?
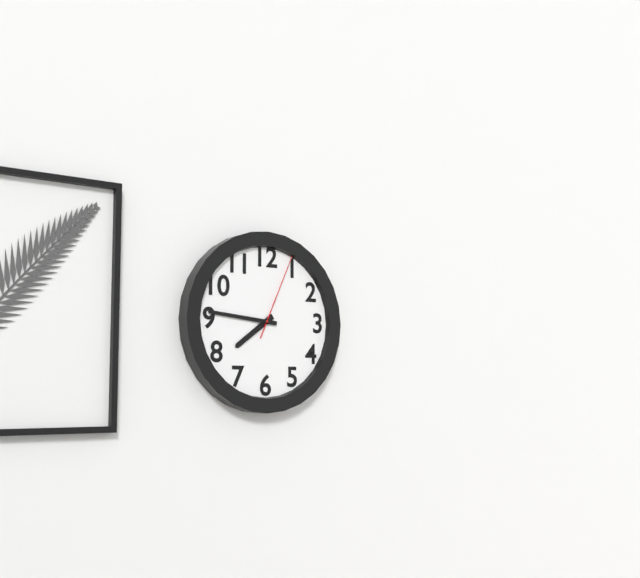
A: 7 h 46 min 04 s
